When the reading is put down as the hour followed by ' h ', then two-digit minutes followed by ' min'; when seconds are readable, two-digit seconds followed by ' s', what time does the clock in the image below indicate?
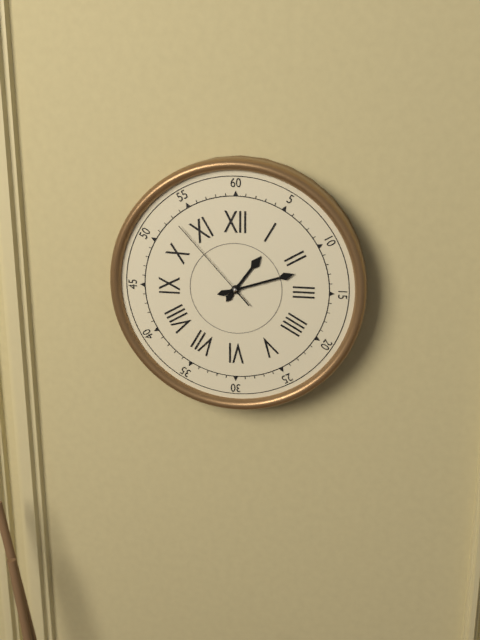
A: 1 h 12 min 53 s
